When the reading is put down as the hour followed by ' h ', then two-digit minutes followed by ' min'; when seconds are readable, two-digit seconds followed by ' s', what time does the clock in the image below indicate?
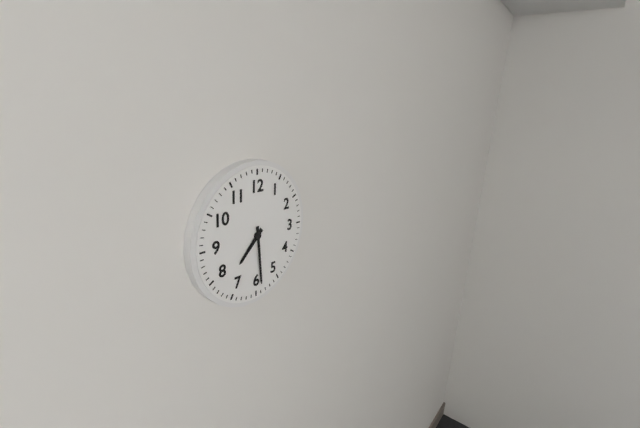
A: 7 h 29 min
